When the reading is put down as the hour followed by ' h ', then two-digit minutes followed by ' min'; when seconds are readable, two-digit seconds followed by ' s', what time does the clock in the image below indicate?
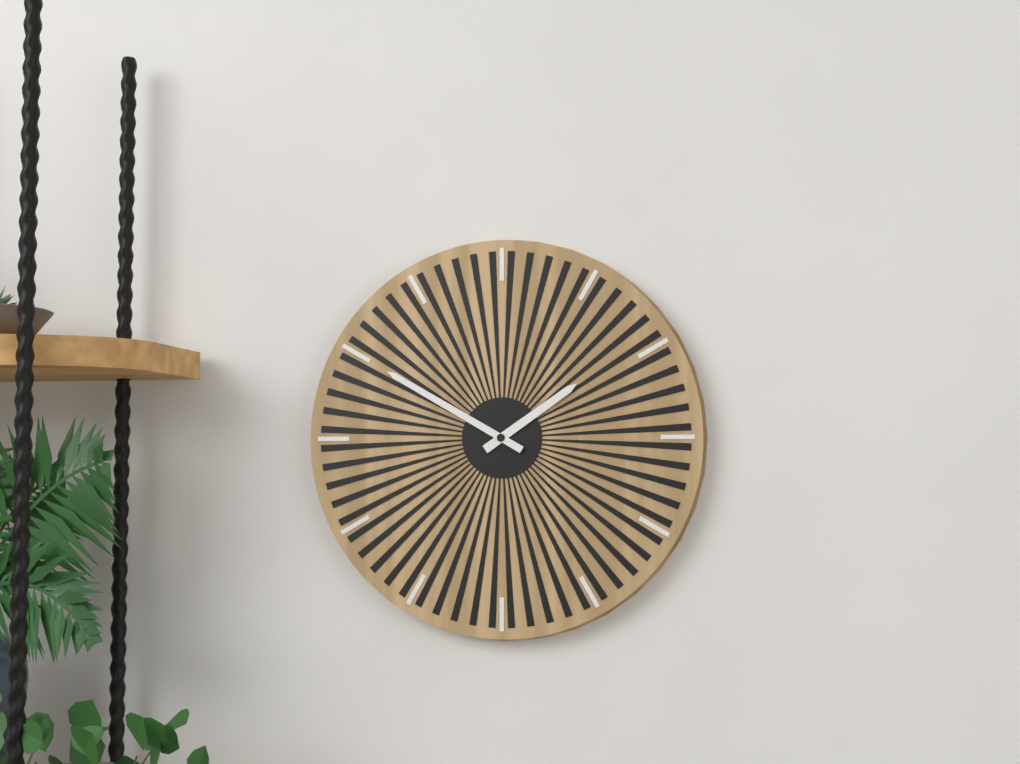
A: 1 h 50 min
